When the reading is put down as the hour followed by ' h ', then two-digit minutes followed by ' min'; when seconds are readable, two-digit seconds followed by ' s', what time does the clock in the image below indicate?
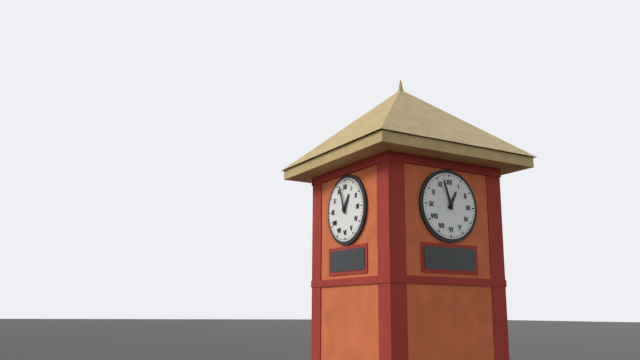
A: 12 h 57 min
